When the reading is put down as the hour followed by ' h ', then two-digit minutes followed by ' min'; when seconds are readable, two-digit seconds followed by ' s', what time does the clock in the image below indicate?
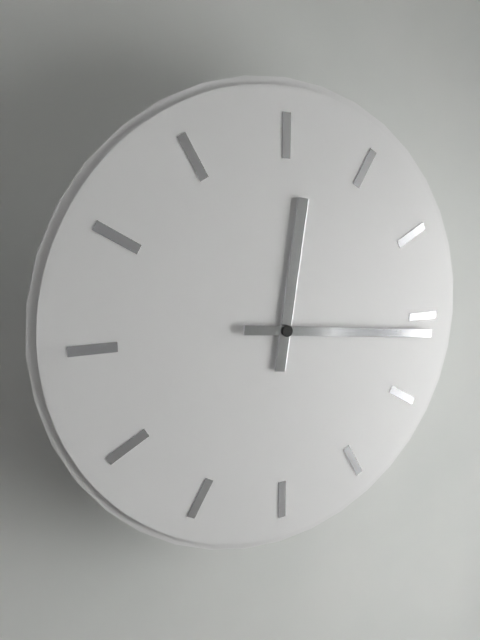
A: 12 h 16 min
